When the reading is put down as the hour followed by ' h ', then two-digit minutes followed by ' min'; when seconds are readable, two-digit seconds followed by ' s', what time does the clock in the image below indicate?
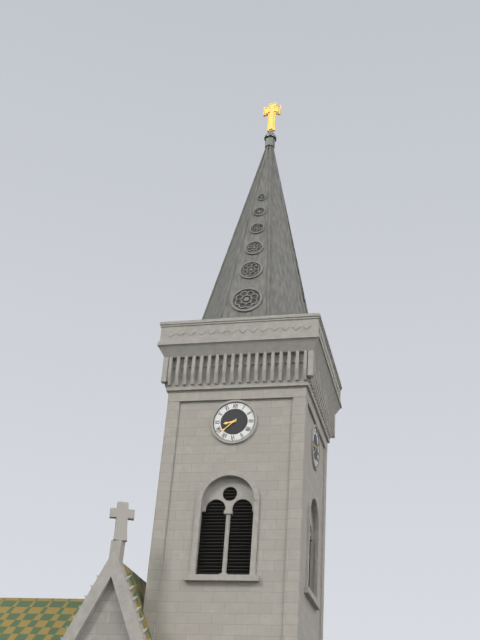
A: 8 h 38 min
